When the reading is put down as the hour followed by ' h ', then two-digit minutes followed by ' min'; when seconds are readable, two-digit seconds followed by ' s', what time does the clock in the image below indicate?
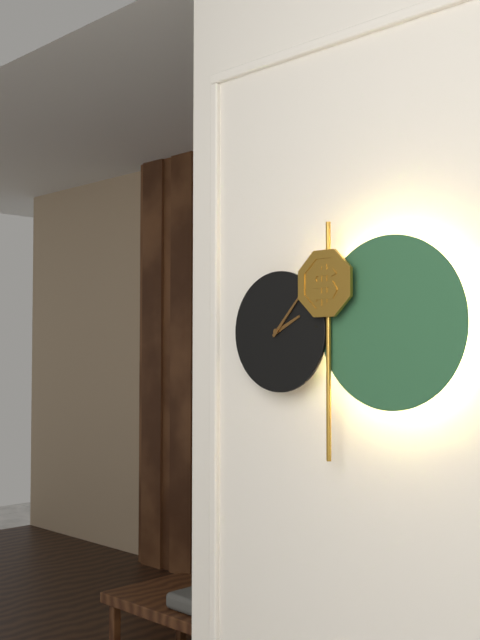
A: 2 h 07 min
